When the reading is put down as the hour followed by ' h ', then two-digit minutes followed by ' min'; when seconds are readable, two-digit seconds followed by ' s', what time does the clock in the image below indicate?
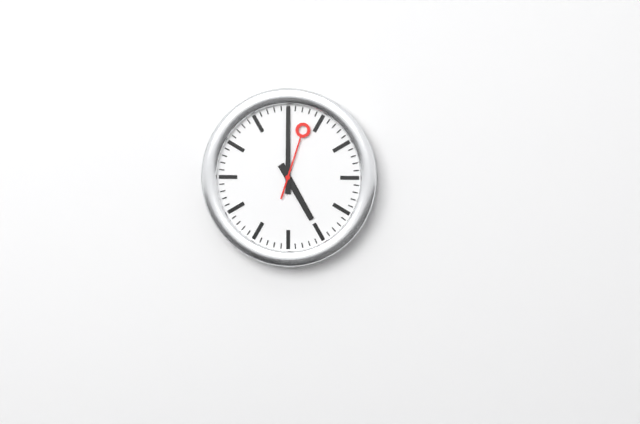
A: 5 h 00 min 03 s
